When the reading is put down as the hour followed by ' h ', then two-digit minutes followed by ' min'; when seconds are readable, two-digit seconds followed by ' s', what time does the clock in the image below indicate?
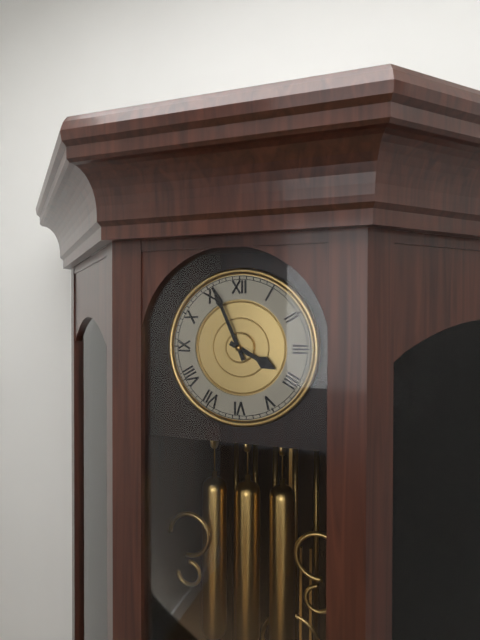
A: 3 h 56 min
